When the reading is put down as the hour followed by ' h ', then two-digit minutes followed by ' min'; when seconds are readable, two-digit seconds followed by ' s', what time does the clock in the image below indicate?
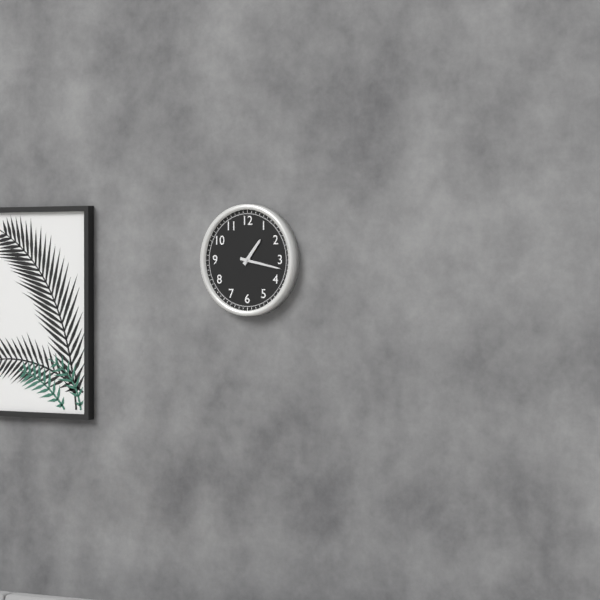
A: 1 h 17 min
